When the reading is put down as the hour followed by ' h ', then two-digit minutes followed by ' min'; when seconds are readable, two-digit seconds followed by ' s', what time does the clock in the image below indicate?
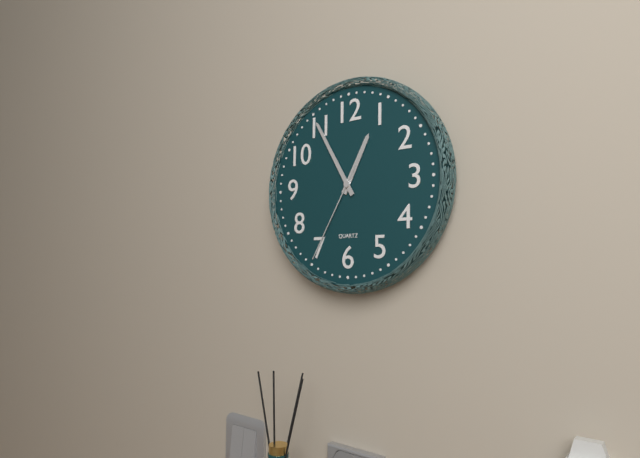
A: 12 h 55 min 35 s
